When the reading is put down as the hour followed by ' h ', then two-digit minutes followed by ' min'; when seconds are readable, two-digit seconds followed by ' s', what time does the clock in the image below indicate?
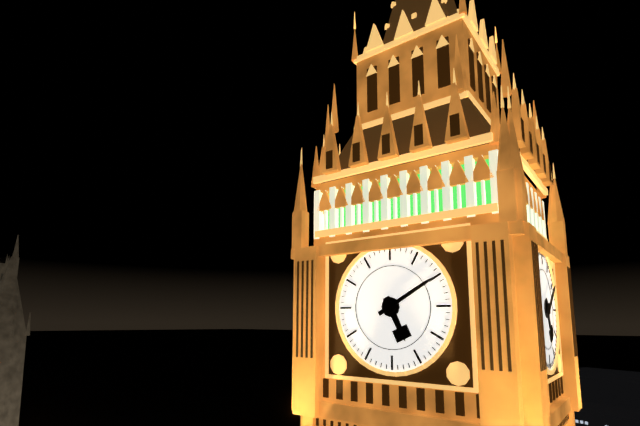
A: 5 h 10 min
